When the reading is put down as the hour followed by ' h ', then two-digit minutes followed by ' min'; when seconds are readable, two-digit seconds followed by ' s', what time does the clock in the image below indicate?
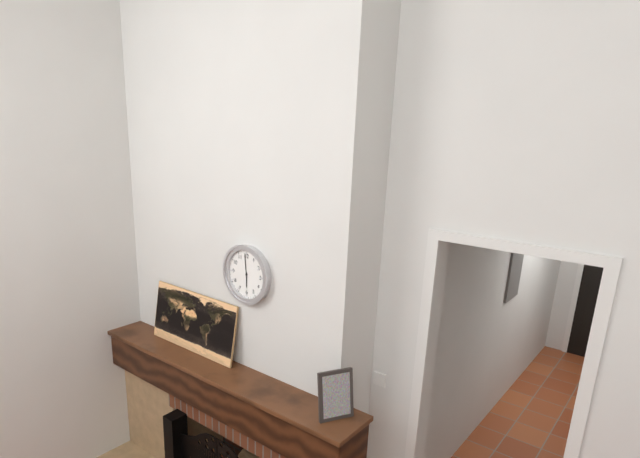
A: 5 h 59 min
